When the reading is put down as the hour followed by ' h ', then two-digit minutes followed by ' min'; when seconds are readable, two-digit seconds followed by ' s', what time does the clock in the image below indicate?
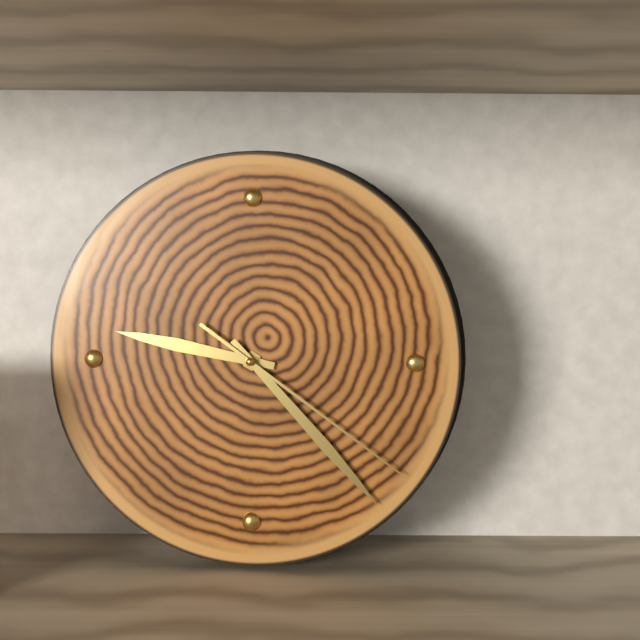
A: 9 h 23 min 21 s
